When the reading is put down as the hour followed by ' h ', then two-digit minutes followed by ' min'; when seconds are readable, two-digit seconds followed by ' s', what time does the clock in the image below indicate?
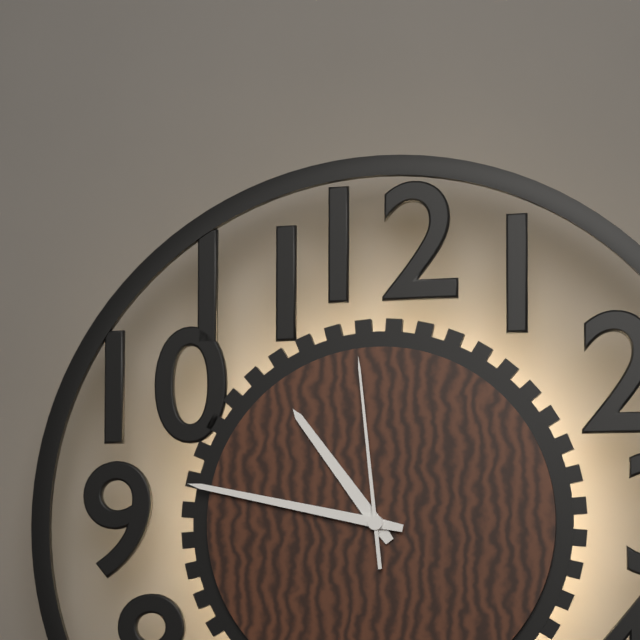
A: 10 h 47 min 59 s
